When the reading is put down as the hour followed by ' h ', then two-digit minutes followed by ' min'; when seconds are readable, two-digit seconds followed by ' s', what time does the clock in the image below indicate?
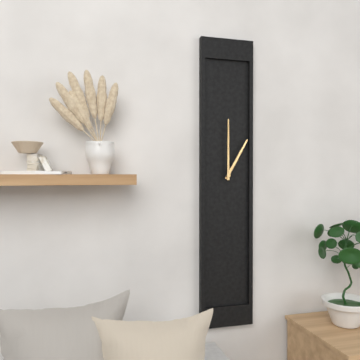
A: 1 h 00 min
